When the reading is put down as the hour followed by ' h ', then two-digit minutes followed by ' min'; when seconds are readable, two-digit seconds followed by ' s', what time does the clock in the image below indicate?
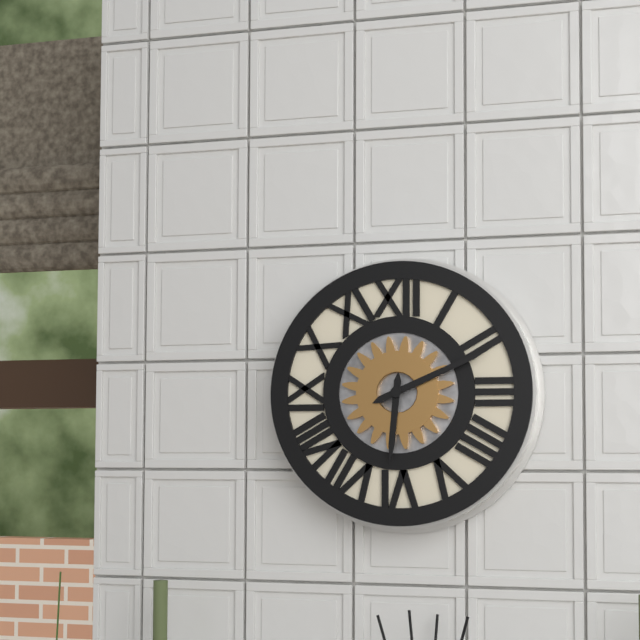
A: 6 h 11 min
